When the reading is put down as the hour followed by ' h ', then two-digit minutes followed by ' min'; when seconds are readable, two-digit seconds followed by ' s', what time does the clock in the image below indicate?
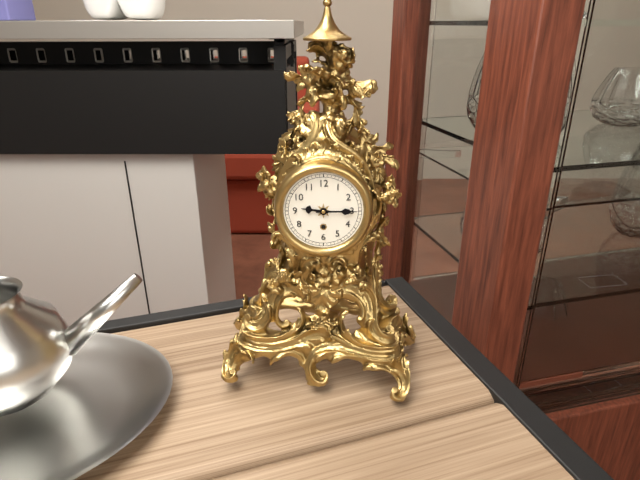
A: 9 h 15 min
